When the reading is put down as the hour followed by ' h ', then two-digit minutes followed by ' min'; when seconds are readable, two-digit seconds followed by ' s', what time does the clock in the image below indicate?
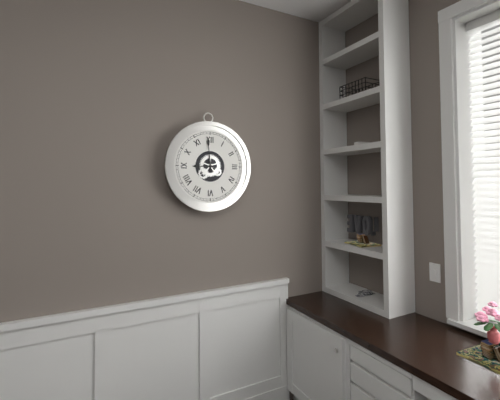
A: 8 h 59 min
